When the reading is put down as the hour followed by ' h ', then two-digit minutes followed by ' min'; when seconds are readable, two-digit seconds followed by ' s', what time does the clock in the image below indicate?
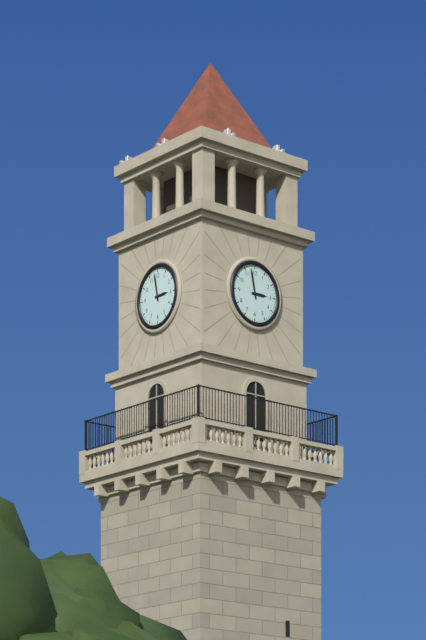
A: 2 h 58 min
